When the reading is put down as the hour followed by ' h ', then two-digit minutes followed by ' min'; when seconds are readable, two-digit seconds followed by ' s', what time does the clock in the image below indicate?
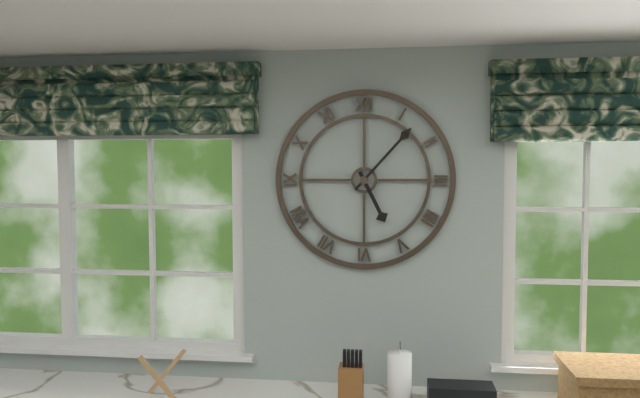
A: 5 h 07 min
